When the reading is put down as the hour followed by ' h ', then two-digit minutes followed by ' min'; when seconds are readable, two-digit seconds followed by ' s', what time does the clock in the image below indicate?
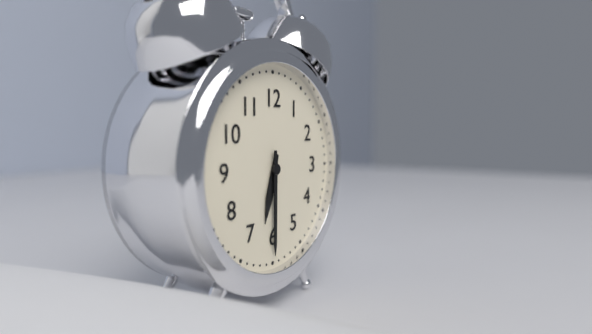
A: 6 h 30 min
